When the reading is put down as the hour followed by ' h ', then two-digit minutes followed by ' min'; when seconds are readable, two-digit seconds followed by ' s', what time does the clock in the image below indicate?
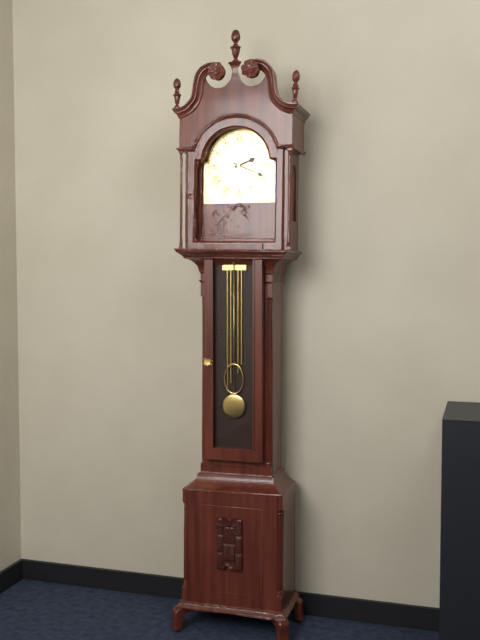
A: 2 h 19 min
